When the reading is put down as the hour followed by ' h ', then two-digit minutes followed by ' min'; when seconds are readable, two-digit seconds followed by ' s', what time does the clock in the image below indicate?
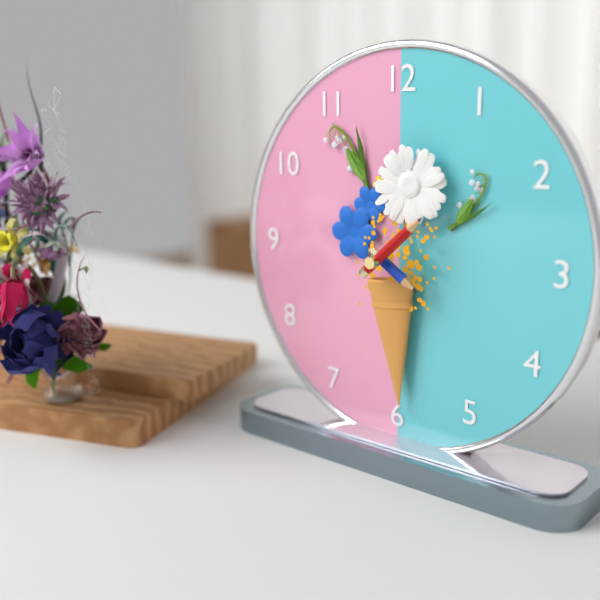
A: 4 h 08 min
